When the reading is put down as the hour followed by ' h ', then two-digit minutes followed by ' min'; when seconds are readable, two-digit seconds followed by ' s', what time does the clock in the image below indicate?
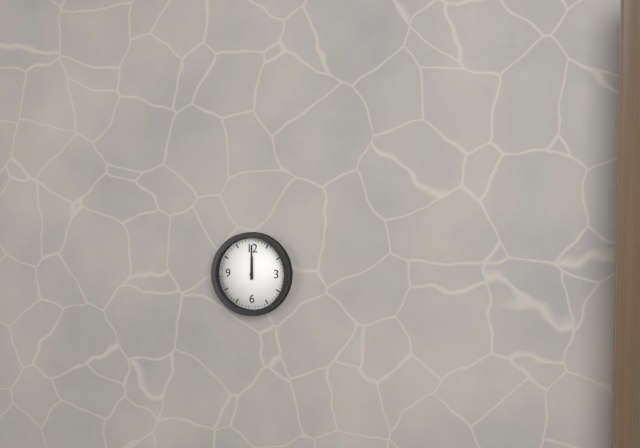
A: 12 h 00 min
